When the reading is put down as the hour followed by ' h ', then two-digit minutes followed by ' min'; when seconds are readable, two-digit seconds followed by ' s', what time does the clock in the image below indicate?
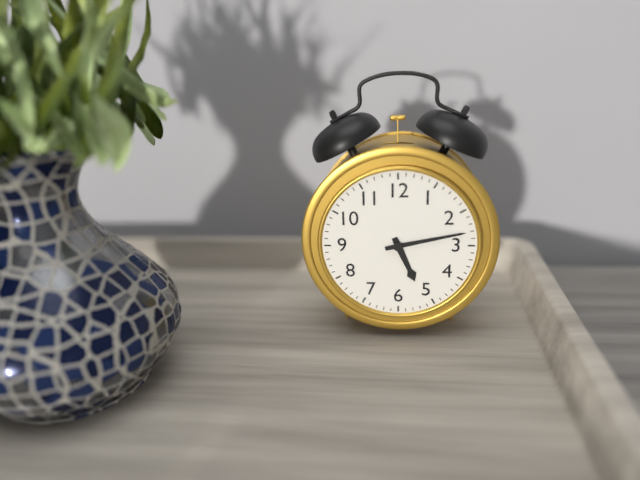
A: 5 h 13 min
